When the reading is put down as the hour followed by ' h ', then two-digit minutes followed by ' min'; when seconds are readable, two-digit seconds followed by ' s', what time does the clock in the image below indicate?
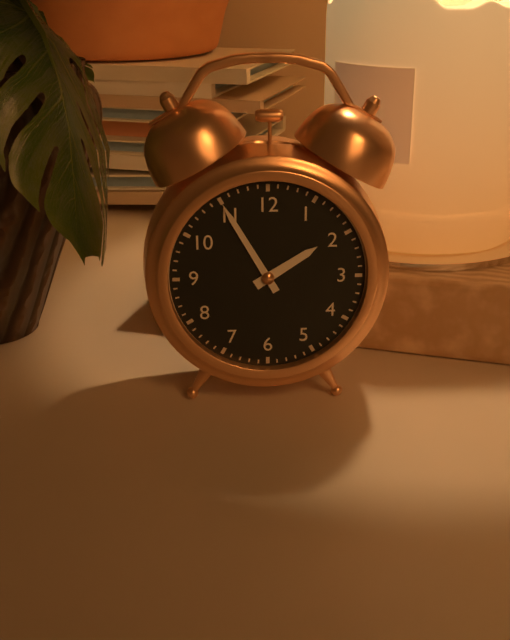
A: 1 h 55 min
